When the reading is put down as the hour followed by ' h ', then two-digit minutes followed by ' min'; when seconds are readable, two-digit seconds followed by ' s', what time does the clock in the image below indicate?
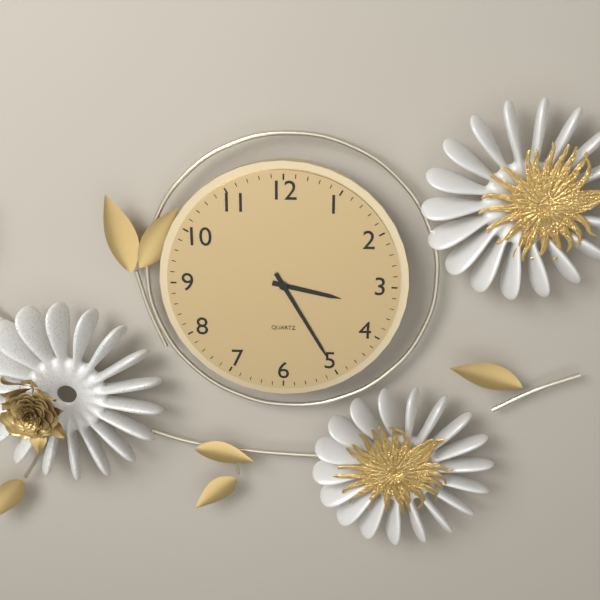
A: 3 h 25 min
